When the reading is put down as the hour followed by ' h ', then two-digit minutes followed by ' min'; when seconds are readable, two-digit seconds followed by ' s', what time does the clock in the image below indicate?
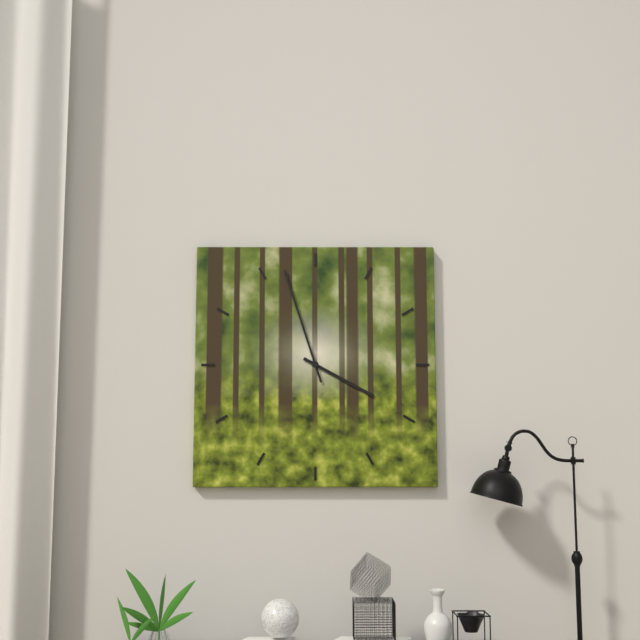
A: 3 h 57 min
